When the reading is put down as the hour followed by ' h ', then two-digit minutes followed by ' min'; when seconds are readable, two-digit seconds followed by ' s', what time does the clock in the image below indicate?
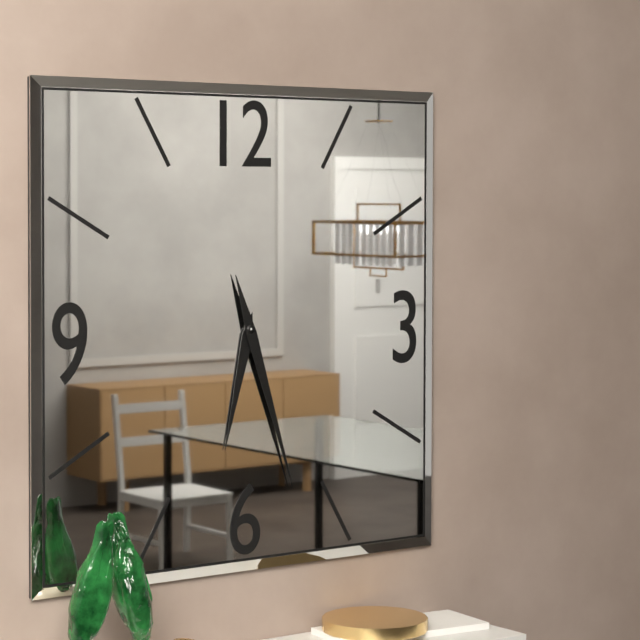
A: 6 h 27 min
